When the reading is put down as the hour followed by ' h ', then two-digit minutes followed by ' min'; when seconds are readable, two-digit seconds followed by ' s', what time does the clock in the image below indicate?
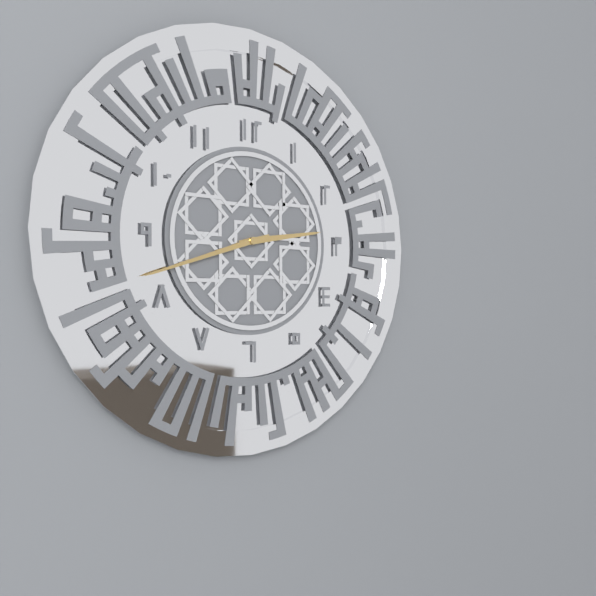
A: 2 h 42 min
